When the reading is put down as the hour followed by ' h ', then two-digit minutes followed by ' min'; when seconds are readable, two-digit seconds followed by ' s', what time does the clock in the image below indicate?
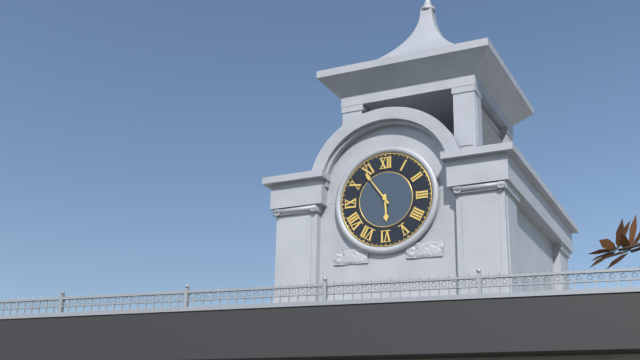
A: 5 h 54 min
